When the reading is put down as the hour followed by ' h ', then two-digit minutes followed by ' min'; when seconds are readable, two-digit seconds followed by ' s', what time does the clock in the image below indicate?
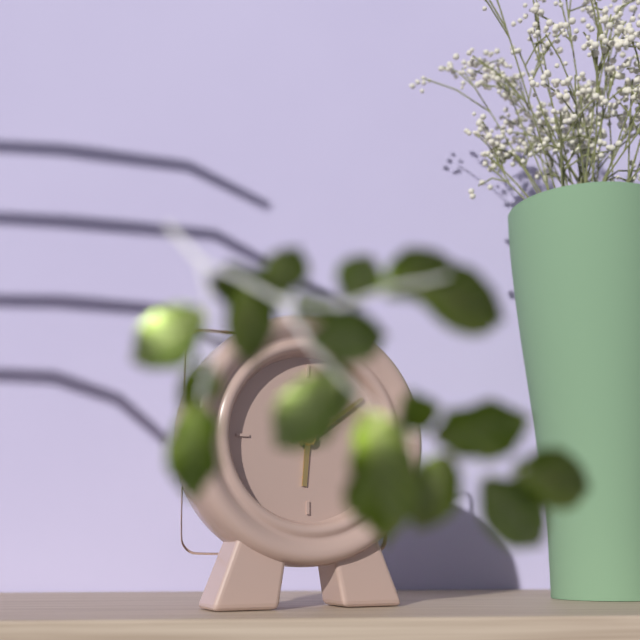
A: 6 h 09 min
